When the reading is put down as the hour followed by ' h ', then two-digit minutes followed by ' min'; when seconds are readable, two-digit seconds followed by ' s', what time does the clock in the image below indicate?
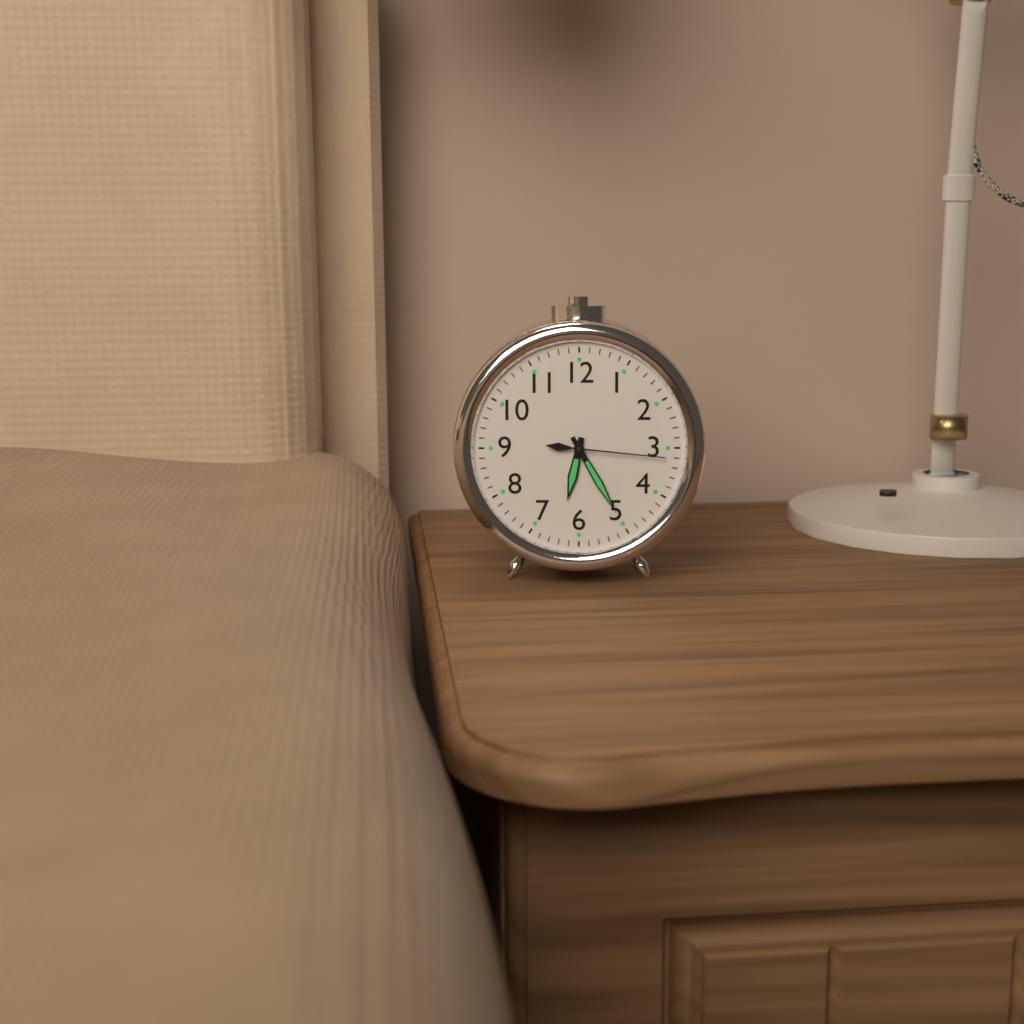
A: 6 h 25 min 16 s
